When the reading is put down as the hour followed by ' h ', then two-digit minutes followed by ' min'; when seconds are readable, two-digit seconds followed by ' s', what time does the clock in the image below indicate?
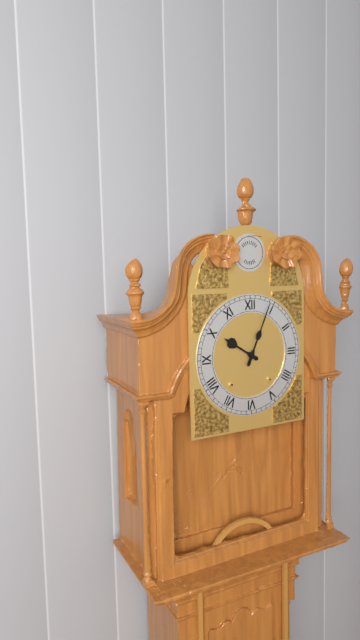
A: 10 h 04 min
